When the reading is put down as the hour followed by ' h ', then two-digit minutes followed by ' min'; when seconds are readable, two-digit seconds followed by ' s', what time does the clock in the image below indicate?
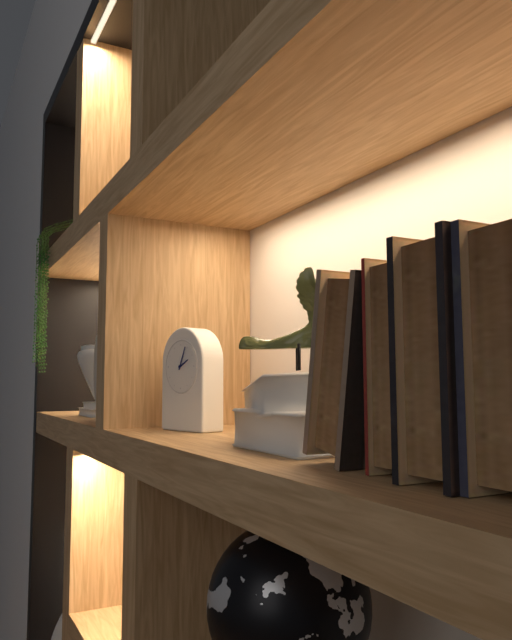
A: 2 h 04 min
